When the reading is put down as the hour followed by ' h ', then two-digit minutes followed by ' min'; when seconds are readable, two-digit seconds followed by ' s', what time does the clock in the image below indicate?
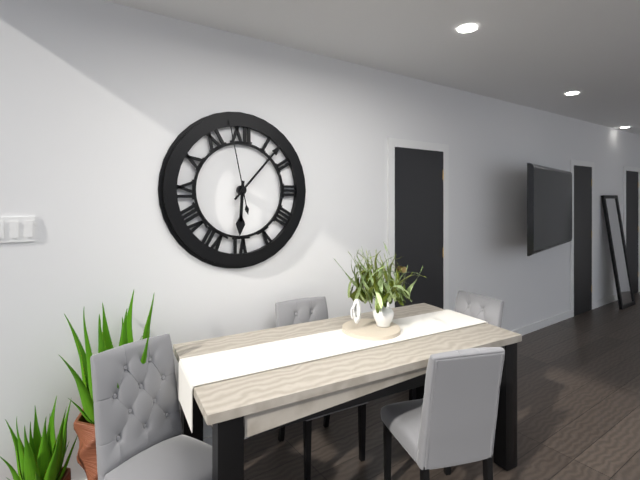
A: 6 h 07 min 58 s
